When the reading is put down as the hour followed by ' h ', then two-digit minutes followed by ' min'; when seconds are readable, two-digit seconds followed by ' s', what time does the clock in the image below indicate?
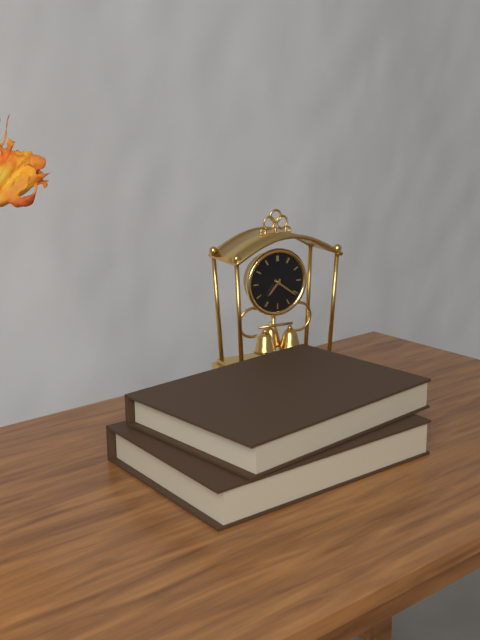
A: 7 h 21 min
